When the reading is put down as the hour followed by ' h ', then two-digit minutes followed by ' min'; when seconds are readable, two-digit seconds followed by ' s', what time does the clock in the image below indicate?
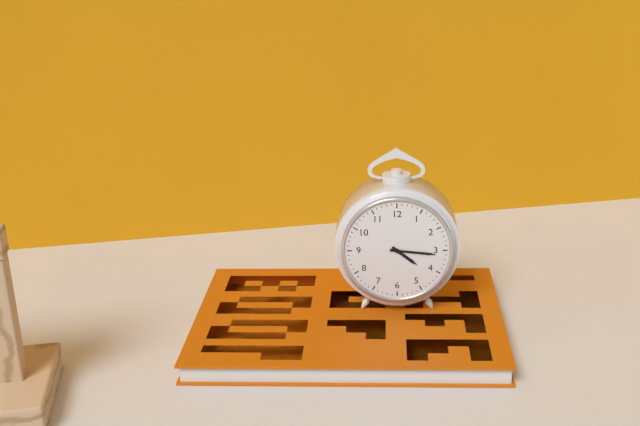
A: 4 h 16 min
